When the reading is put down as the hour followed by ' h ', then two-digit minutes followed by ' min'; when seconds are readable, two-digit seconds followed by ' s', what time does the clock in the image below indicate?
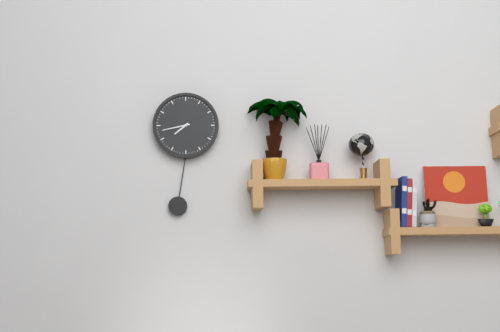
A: 7 h 43 min
